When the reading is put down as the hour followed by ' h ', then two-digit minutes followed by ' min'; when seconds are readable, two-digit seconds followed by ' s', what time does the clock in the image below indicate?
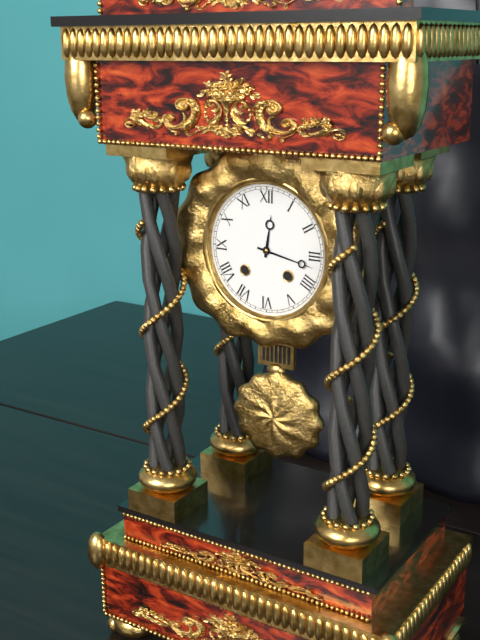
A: 12 h 17 min
